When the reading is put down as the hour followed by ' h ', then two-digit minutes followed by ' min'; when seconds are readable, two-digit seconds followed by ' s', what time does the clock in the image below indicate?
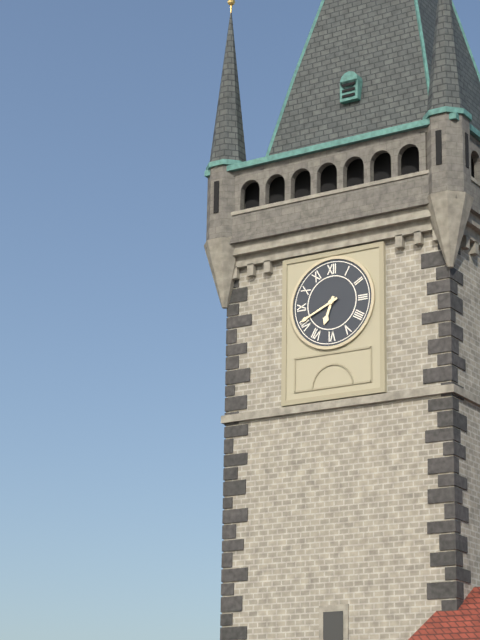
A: 6 h 41 min
